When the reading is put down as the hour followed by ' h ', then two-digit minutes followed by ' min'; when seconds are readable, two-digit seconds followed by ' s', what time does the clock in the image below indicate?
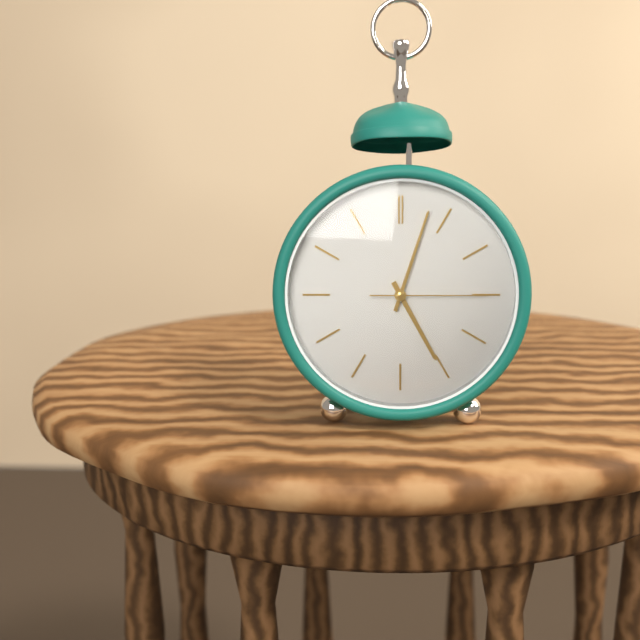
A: 5 h 03 min 15 s
